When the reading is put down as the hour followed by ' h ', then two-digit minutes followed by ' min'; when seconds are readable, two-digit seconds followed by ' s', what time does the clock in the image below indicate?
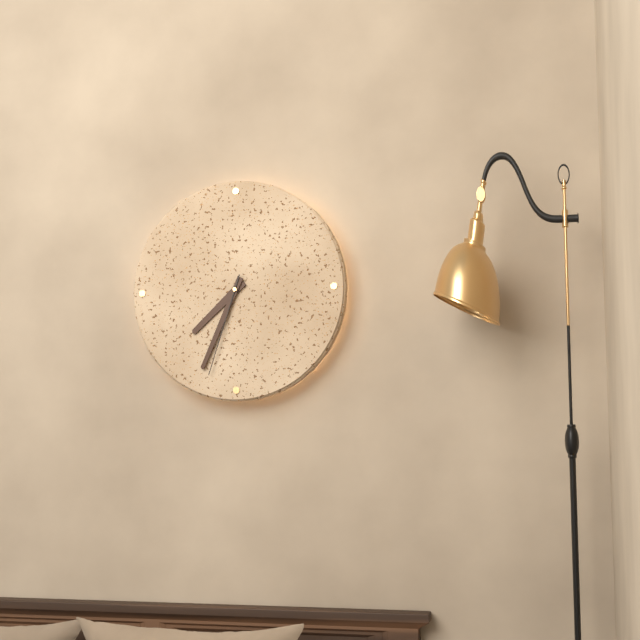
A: 7 h 34 min 33 s
